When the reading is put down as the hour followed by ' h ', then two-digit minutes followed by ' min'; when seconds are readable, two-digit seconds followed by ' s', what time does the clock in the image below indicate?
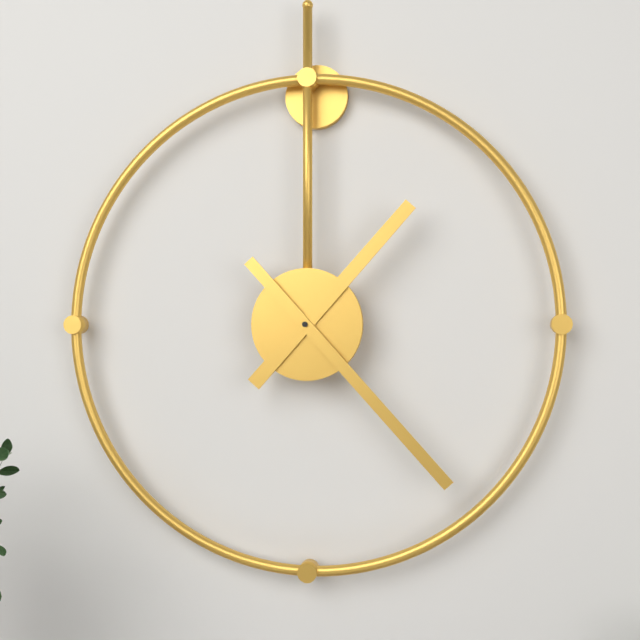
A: 1 h 23 min
